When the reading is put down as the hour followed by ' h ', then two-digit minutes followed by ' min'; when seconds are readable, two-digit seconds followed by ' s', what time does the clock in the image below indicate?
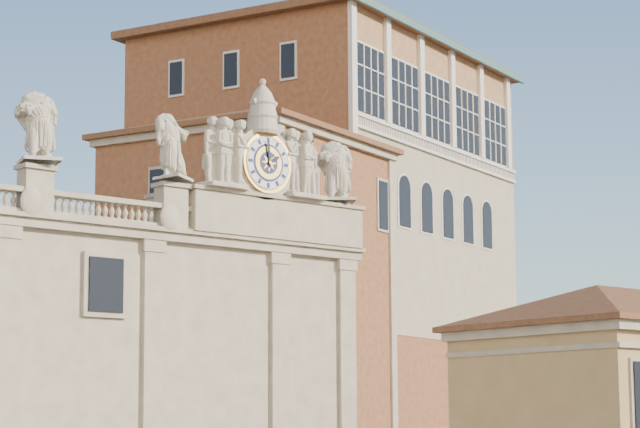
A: 1 h 59 min
